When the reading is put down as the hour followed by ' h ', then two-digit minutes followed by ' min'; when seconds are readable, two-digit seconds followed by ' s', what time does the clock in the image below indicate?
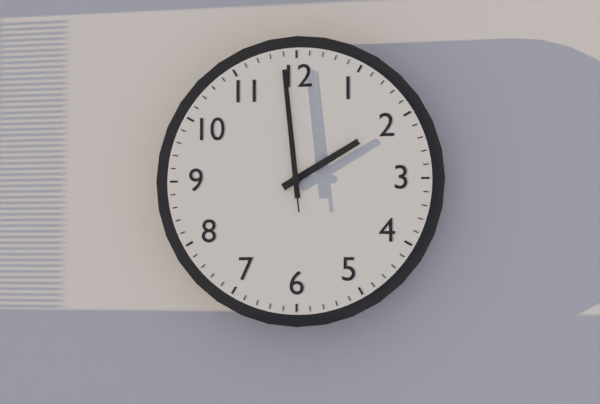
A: 1 h 59 min 59 s
